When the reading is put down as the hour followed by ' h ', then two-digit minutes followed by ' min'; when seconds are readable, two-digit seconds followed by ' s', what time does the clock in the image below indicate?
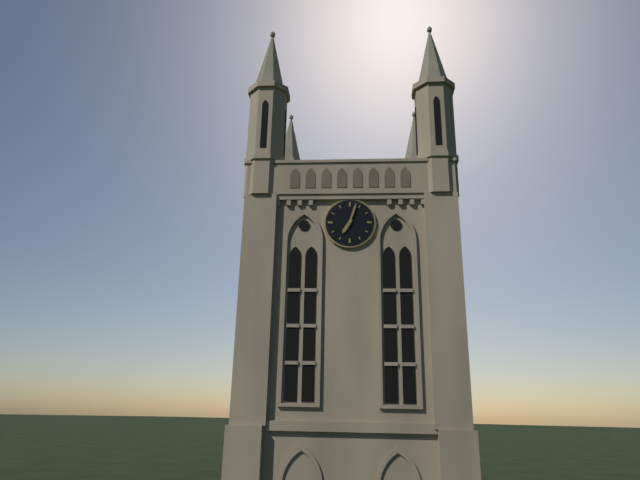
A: 7 h 03 min
